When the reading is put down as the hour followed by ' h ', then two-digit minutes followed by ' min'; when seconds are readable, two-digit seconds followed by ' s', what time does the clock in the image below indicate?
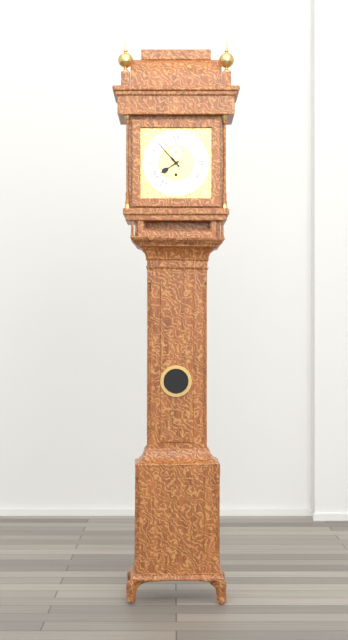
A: 7 h 53 min
